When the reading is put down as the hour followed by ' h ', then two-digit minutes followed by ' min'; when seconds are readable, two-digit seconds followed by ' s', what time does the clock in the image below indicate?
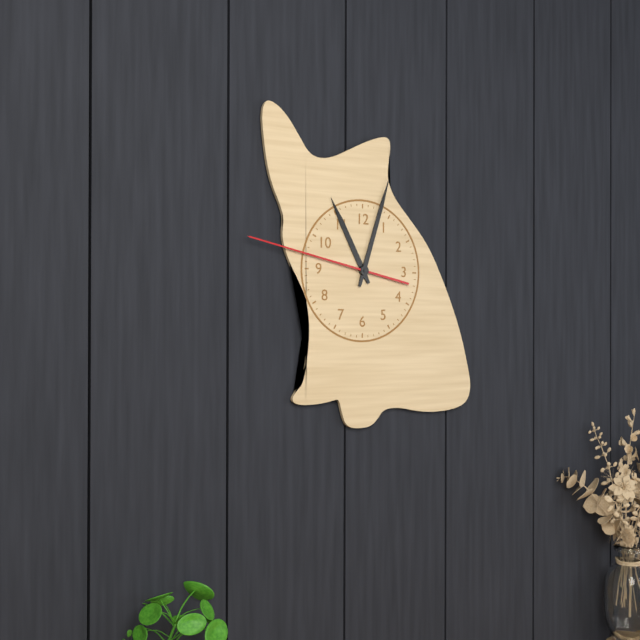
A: 11 h 03 min 47 s
